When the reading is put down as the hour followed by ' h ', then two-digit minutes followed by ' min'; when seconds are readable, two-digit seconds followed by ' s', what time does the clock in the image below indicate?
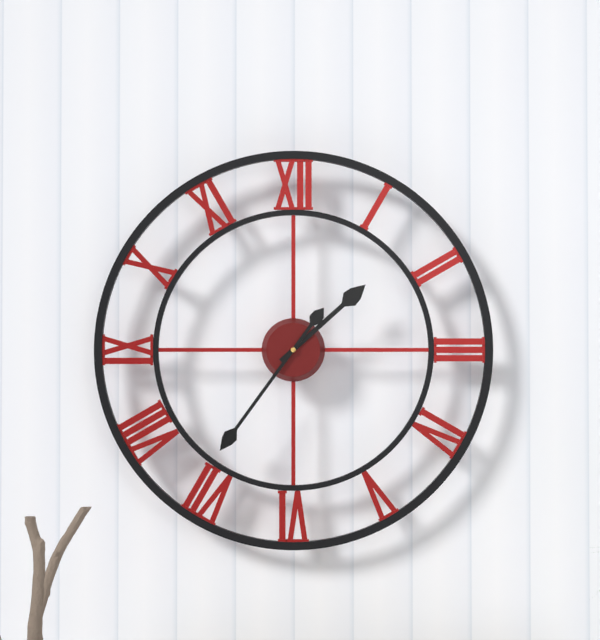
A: 1 h 36 min
